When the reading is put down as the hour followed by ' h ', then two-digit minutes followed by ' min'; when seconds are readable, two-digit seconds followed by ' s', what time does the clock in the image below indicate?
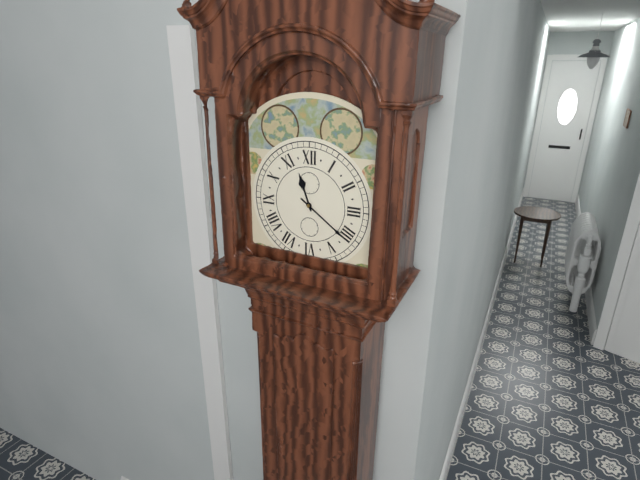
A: 11 h 21 min
